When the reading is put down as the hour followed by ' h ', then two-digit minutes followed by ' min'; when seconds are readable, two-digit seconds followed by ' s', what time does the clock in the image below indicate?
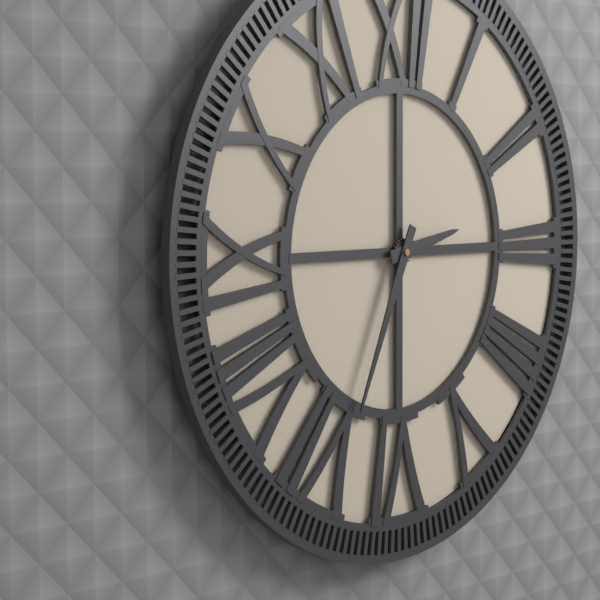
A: 2 h 34 min
